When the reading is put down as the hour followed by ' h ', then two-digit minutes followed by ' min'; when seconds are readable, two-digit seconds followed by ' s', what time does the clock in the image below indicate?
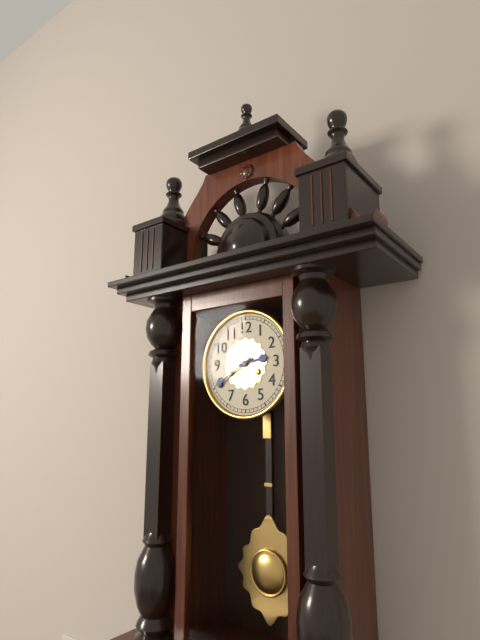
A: 2 h 40 min
